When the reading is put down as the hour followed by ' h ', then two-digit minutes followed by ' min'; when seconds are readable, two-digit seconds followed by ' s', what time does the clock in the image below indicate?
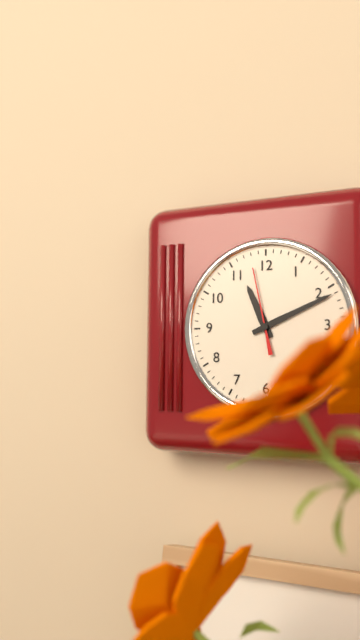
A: 11 h 11 min 58 s
